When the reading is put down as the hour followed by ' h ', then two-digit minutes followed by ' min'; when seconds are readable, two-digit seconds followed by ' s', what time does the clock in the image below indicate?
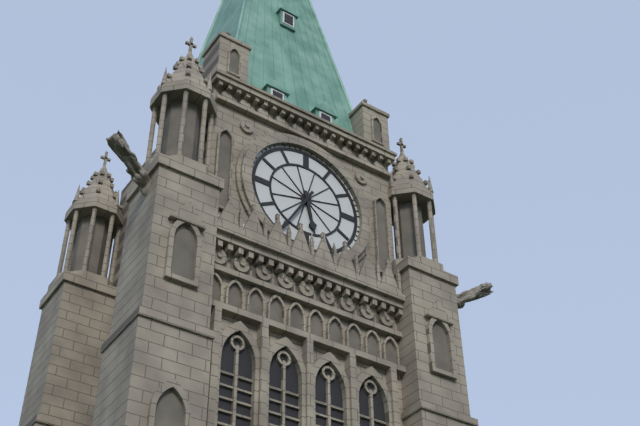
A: 5 h 35 min
